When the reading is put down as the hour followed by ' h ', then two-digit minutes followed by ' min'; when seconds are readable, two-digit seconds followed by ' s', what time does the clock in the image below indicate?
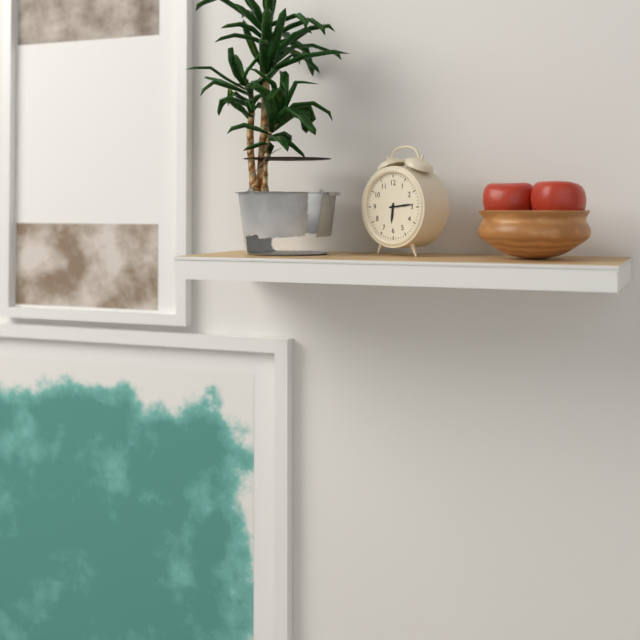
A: 6 h 14 min
